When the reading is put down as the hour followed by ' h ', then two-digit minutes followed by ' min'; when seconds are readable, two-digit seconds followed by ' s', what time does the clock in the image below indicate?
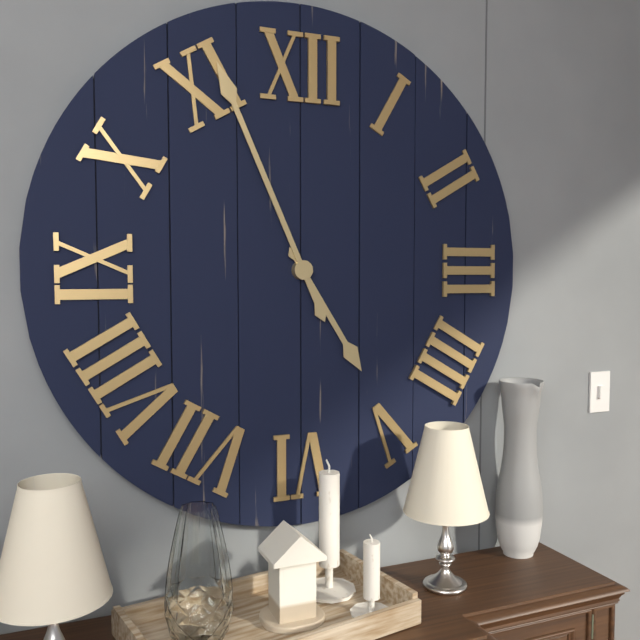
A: 4 h 56 min
